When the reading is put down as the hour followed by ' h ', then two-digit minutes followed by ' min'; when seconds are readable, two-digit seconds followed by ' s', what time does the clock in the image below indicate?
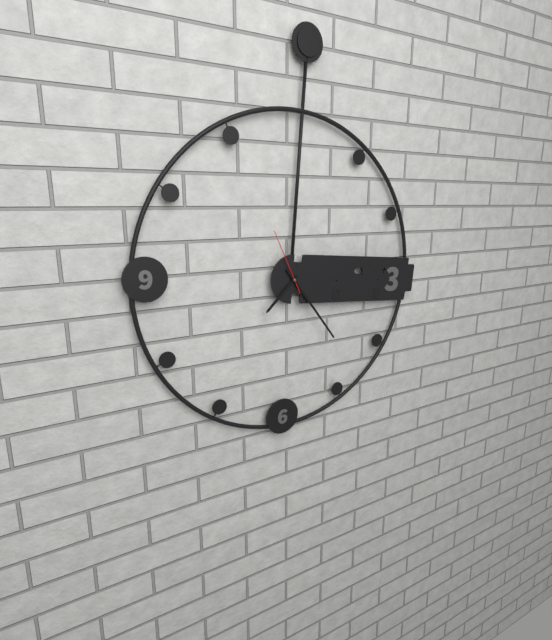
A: 7 h 23 min 55 s
